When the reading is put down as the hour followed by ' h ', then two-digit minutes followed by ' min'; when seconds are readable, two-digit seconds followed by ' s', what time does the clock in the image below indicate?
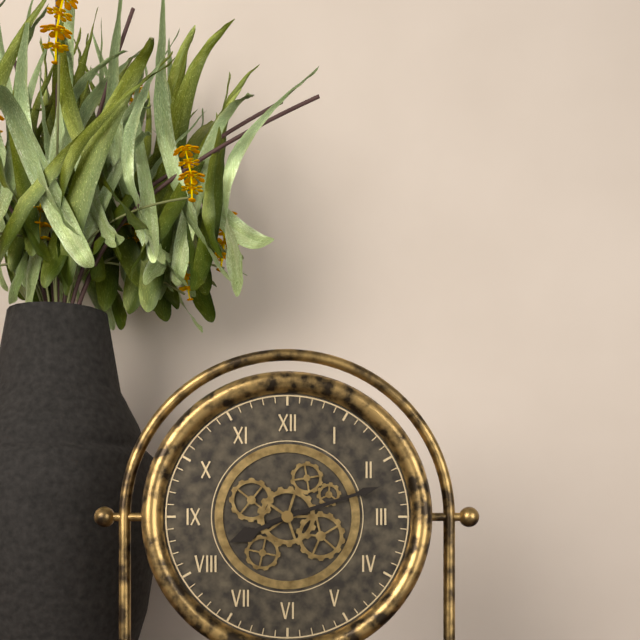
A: 8 h 12 min
